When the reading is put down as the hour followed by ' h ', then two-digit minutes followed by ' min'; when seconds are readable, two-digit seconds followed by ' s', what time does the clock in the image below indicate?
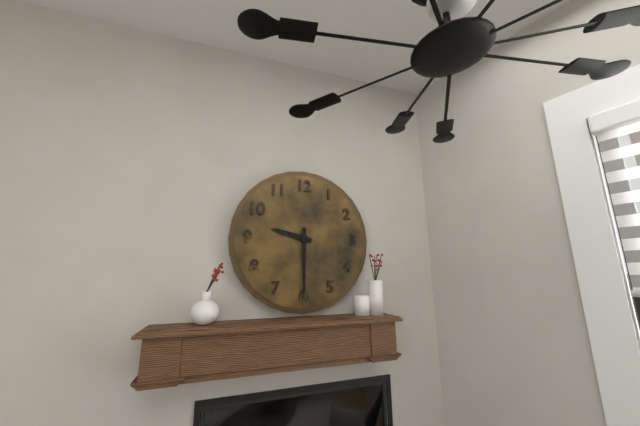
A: 9 h 30 min
